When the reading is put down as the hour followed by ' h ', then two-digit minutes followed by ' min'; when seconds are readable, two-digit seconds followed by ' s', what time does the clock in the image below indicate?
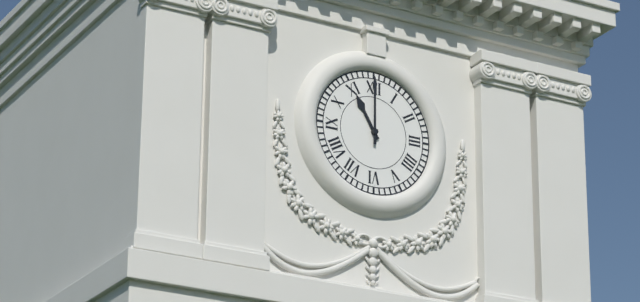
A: 11 h 00 min
